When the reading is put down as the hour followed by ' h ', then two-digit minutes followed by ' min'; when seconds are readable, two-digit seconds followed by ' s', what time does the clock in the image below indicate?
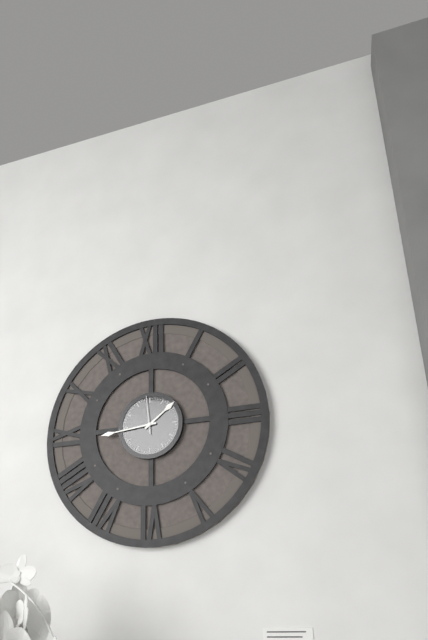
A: 1 h 44 min
